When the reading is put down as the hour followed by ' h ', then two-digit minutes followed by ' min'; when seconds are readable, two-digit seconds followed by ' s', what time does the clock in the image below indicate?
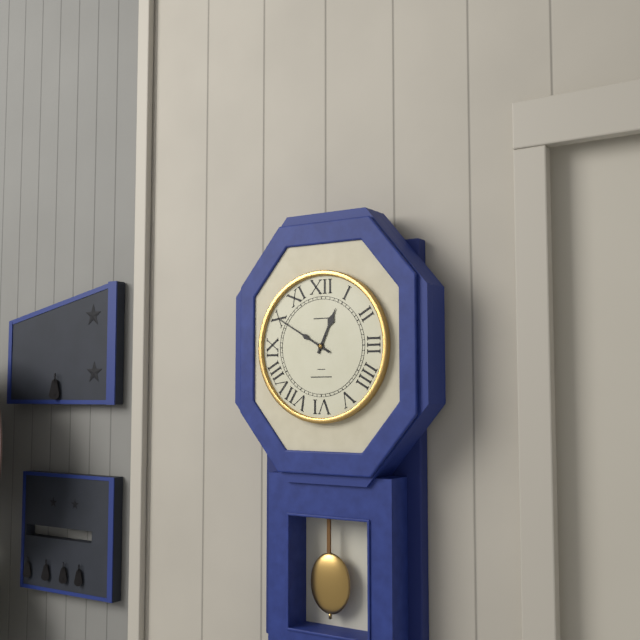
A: 12 h 50 min
